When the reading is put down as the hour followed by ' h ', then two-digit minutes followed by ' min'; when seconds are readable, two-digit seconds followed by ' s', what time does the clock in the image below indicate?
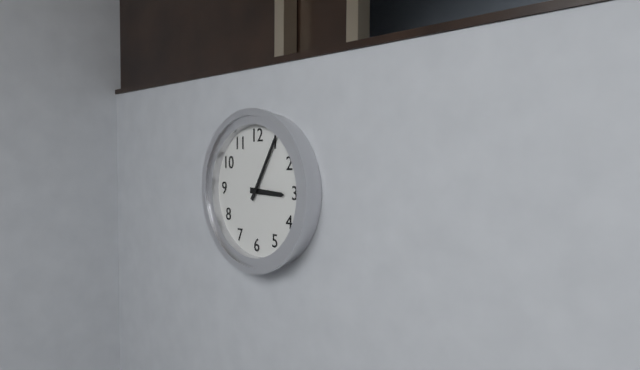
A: 3 h 05 min
